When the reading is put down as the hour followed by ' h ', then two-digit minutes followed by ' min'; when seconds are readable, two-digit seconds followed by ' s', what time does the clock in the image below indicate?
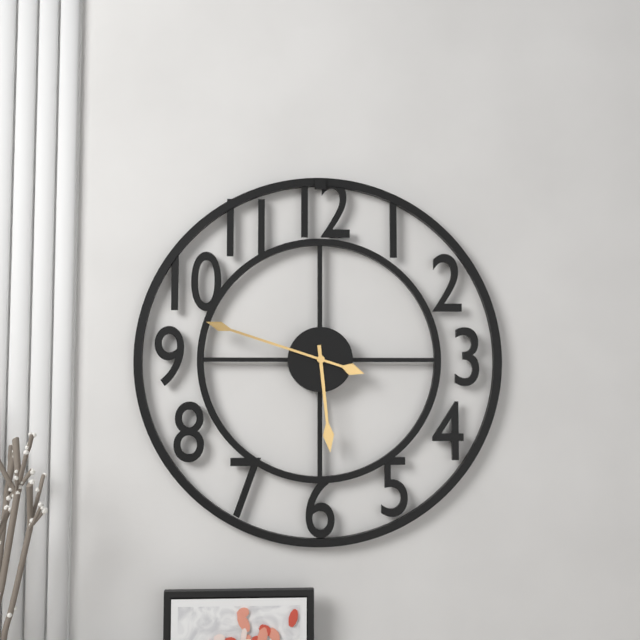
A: 5 h 48 min
